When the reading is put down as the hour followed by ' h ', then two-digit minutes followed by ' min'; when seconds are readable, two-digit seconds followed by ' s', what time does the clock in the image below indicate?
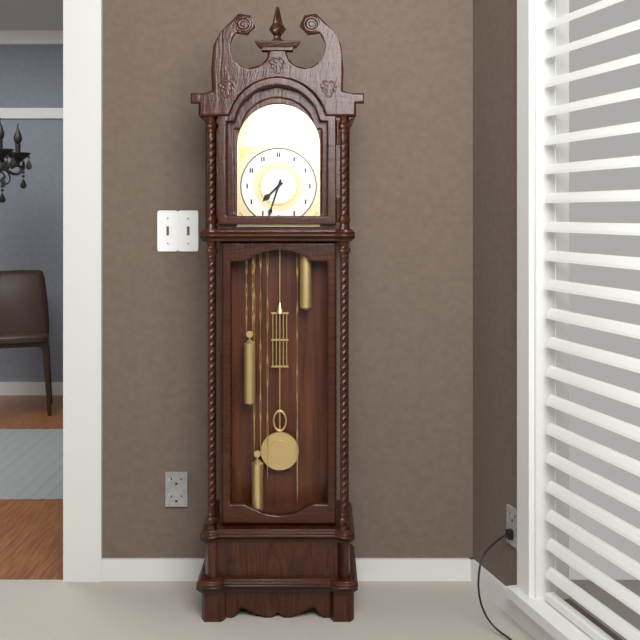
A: 7 h 33 min
